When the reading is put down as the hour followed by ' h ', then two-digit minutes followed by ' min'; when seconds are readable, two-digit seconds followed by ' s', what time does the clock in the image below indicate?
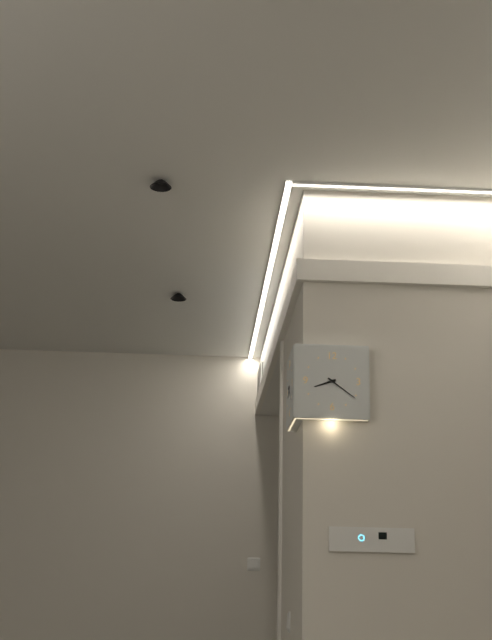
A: 8 h 21 min
